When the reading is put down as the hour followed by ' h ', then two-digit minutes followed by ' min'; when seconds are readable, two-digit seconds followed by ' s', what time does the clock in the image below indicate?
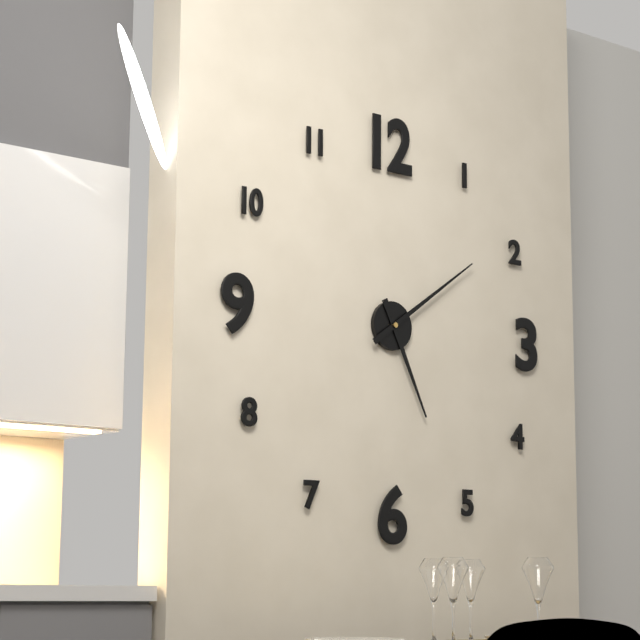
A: 5 h 09 min
